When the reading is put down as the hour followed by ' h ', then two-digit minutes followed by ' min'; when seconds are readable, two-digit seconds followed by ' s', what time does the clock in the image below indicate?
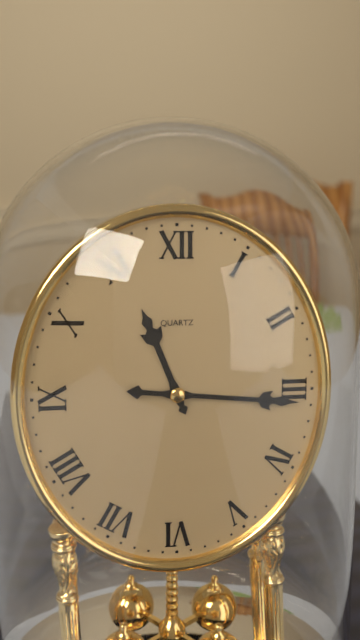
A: 11 h 16 min
